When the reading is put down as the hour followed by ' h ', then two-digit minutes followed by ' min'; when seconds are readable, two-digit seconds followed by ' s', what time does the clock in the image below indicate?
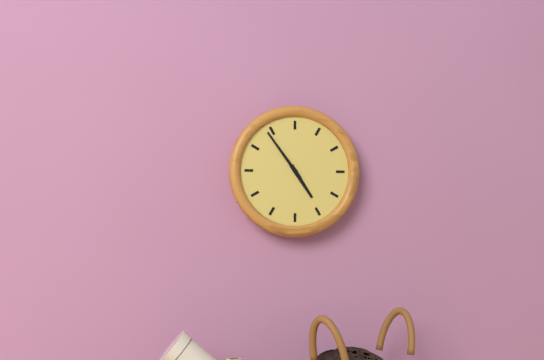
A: 4 h 54 min
